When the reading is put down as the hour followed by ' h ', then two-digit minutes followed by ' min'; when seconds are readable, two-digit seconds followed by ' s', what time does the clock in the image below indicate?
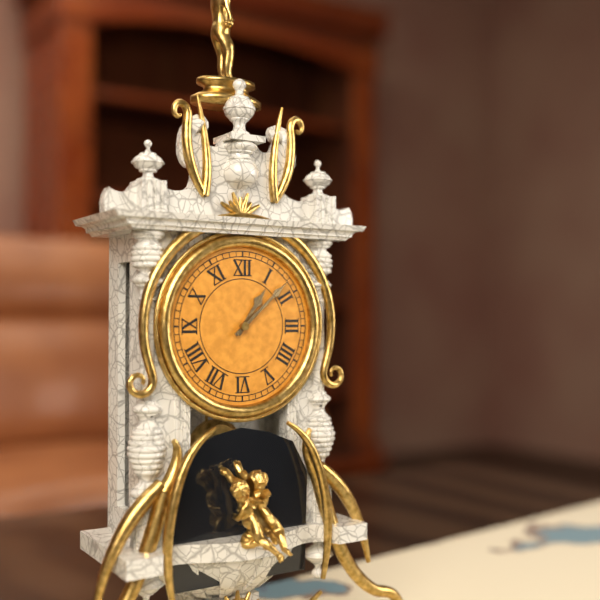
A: 1 h 08 min
